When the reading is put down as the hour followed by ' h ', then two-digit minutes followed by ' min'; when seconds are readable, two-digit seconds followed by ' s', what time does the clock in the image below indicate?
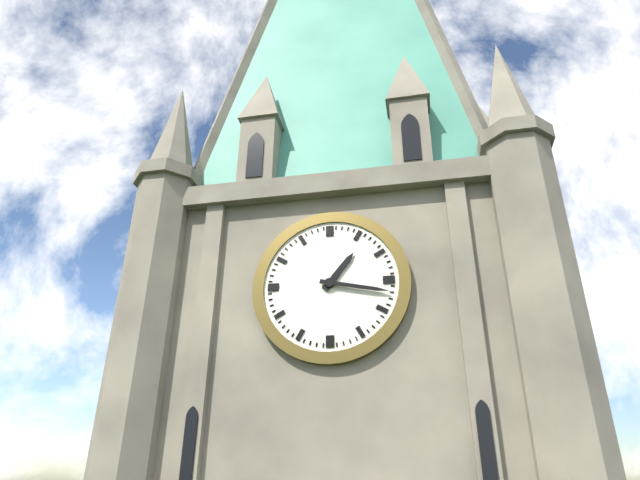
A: 1 h 17 min
